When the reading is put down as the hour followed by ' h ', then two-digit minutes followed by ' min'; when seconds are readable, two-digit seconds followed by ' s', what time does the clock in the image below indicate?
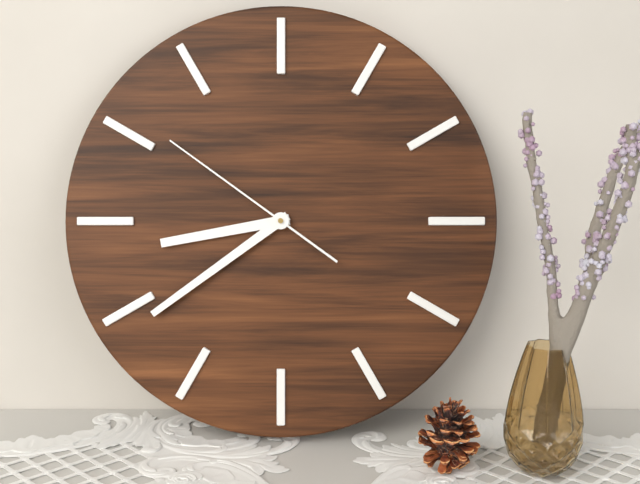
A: 8 h 39 min 51 s
